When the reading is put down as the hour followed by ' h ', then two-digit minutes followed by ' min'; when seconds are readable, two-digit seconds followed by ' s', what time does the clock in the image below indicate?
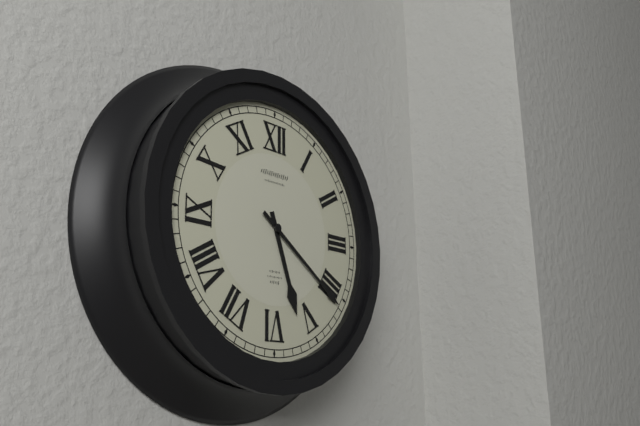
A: 5 h 21 min
